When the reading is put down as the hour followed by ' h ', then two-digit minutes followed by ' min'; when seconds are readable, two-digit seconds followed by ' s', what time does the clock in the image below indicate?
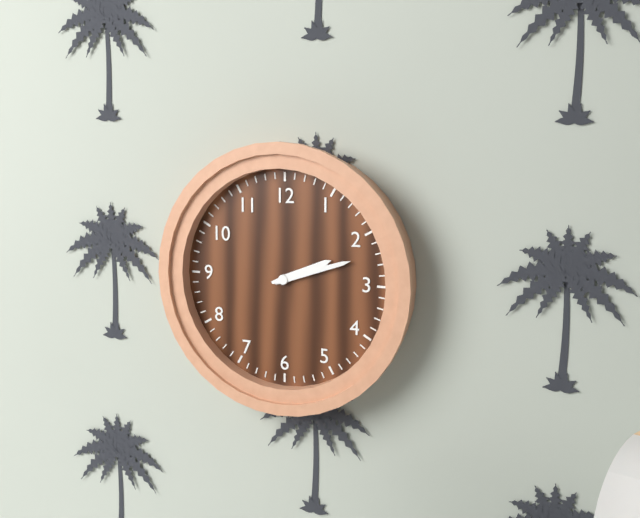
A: 2 h 12 min
